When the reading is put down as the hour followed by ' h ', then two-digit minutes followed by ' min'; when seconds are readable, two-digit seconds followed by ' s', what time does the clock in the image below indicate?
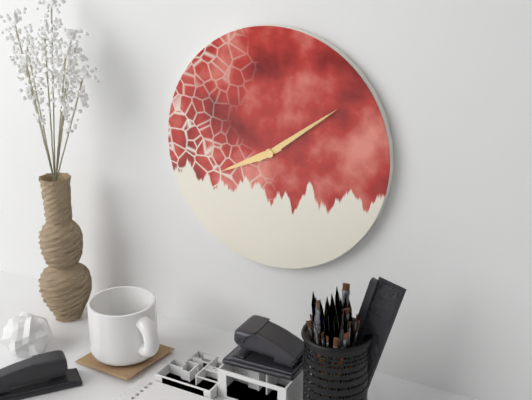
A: 8 h 09 min
